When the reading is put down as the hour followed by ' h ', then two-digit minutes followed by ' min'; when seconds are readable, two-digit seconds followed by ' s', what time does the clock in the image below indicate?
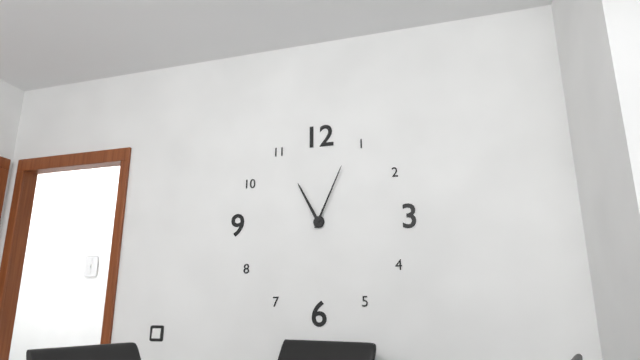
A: 11 h 04 min
